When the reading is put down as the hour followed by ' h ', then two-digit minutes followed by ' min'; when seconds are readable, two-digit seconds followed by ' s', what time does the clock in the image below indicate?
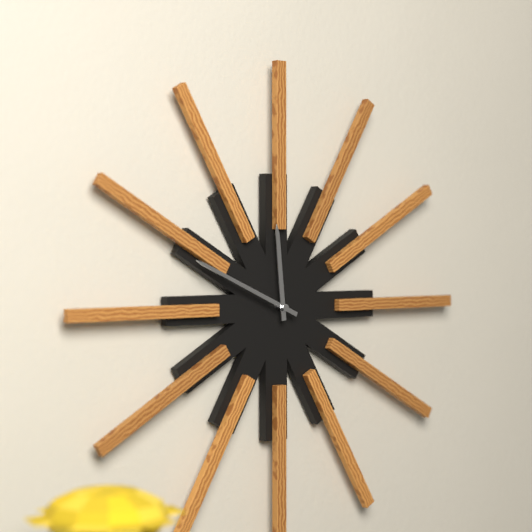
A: 11 h 49 min
